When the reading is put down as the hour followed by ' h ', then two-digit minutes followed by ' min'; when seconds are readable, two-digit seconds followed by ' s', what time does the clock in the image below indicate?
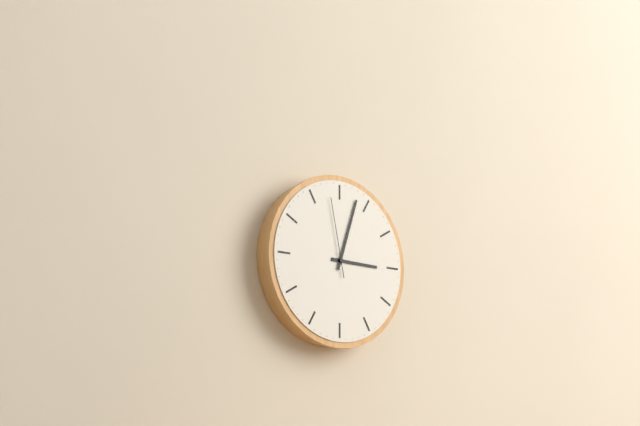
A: 3 h 03 min 58 s
